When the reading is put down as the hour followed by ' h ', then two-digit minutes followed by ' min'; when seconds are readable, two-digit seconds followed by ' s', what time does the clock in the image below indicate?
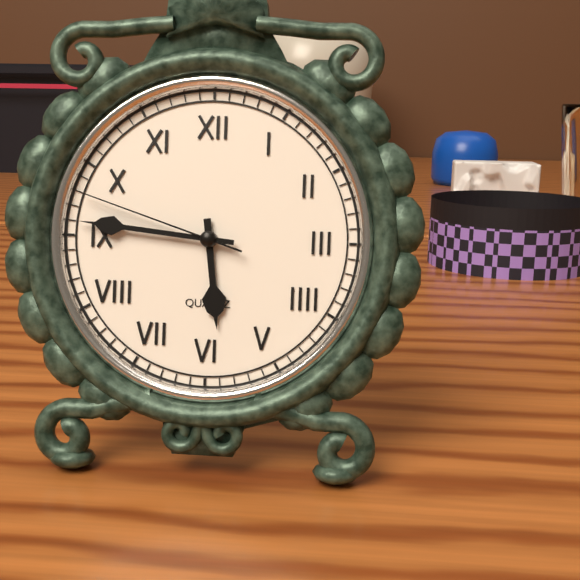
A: 5 h 46 min 48 s
